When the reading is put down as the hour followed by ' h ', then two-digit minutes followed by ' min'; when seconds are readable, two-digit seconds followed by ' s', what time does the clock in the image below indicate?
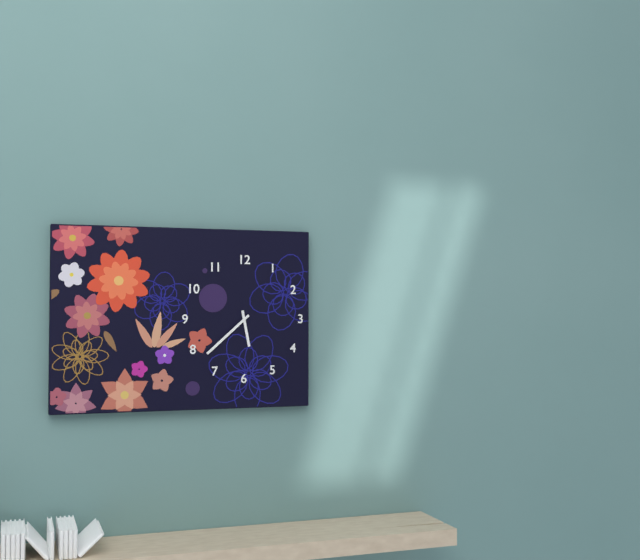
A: 5 h 38 min
